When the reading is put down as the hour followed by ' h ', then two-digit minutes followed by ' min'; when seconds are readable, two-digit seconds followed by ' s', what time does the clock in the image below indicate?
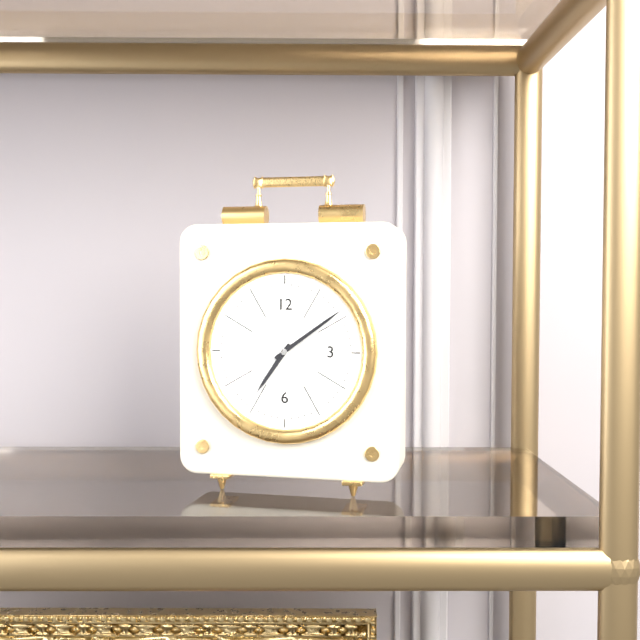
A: 7 h 09 min
